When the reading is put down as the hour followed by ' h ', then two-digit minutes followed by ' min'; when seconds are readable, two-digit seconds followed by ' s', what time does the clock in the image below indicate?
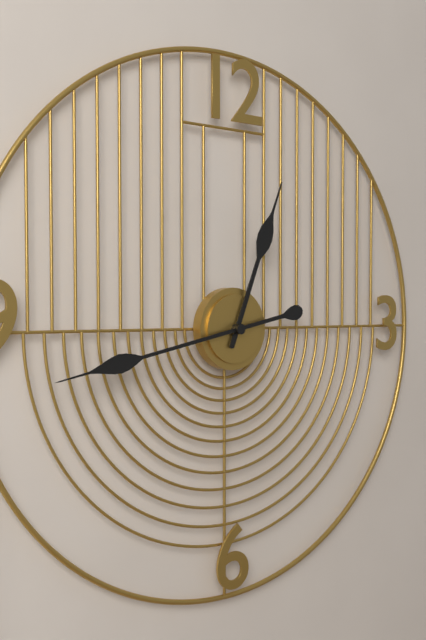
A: 12 h 43 min
